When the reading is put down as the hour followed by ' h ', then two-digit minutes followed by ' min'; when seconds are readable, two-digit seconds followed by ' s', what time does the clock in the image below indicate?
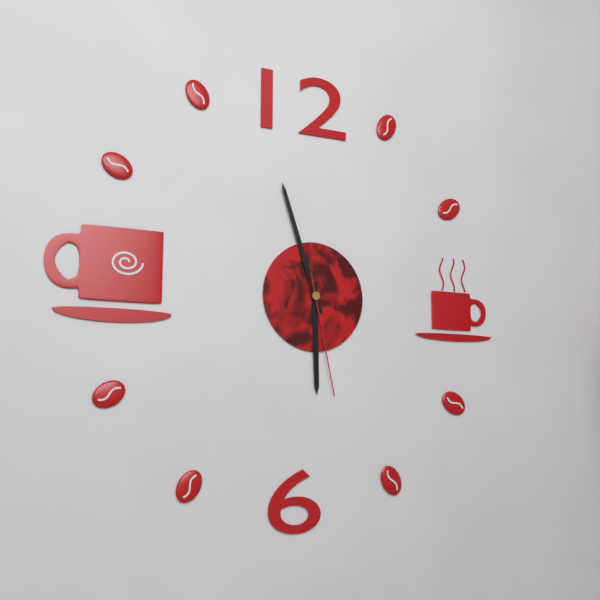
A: 5 h 57 min 28 s
